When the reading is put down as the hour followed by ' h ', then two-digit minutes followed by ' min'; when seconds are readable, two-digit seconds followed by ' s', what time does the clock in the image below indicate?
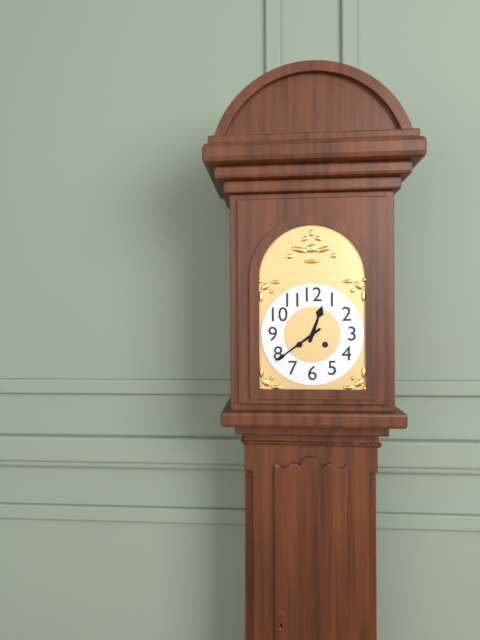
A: 12 h 39 min
